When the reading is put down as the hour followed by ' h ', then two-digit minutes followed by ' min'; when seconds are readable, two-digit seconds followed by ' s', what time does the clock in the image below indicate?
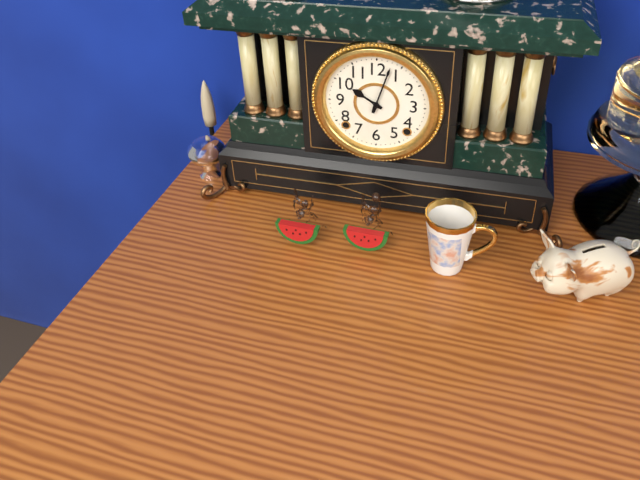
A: 10 h 03 min
